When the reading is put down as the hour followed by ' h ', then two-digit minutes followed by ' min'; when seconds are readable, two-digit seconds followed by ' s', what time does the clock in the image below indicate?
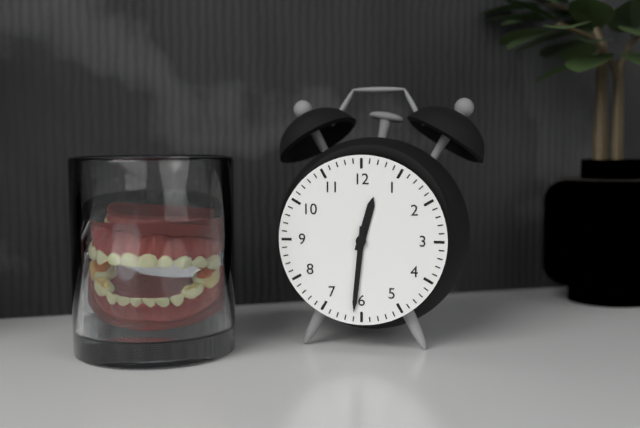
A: 12 h 31 min
